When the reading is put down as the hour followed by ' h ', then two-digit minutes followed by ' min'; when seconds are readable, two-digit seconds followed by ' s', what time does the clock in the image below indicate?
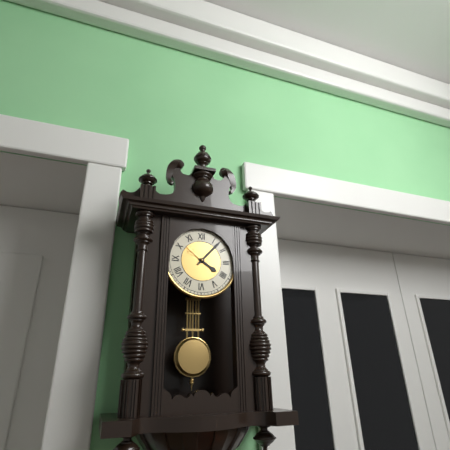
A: 4 h 07 min
